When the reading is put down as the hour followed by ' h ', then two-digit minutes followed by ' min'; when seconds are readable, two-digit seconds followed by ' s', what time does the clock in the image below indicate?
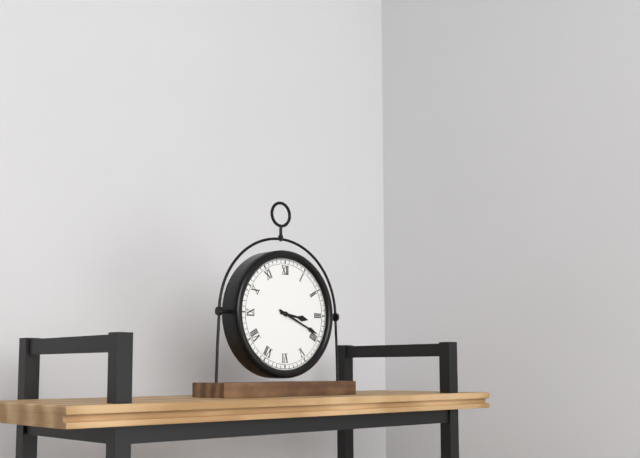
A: 3 h 19 min
